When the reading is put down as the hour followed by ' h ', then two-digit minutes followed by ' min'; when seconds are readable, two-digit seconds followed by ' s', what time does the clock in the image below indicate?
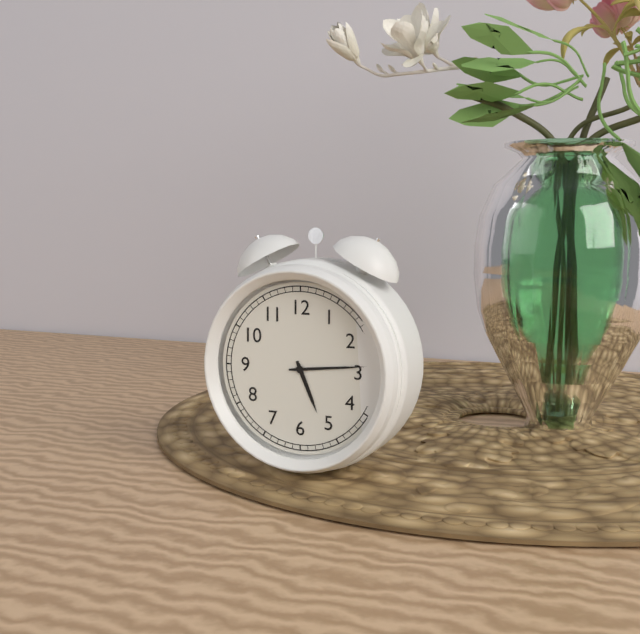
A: 5 h 14 min
